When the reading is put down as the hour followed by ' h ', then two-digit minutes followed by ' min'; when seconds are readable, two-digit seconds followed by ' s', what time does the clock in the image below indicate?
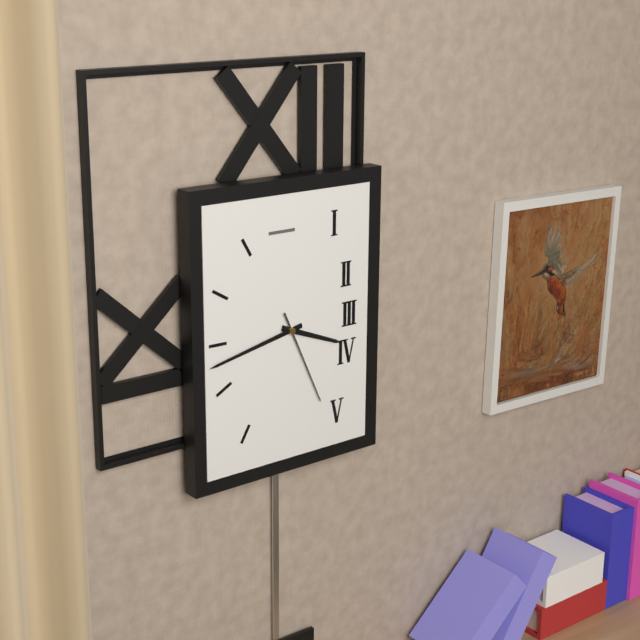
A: 3 h 43 min 26 s
